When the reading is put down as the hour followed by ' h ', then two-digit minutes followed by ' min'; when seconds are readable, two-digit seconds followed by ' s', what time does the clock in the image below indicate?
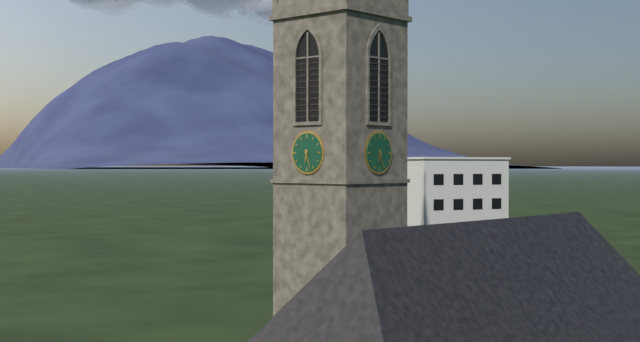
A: 6 h 27 min
